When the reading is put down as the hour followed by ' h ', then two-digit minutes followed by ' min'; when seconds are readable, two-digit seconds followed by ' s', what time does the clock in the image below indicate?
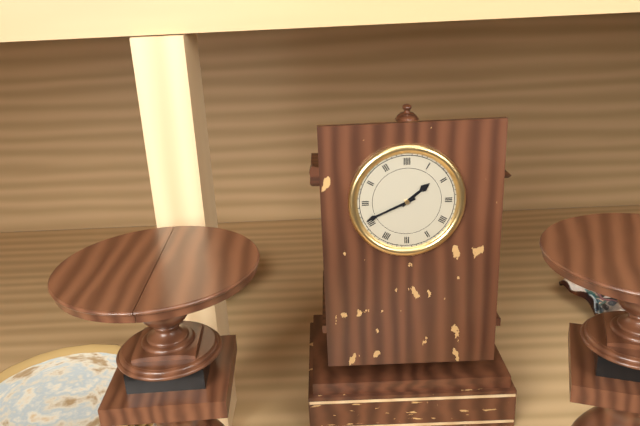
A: 1 h 41 min
